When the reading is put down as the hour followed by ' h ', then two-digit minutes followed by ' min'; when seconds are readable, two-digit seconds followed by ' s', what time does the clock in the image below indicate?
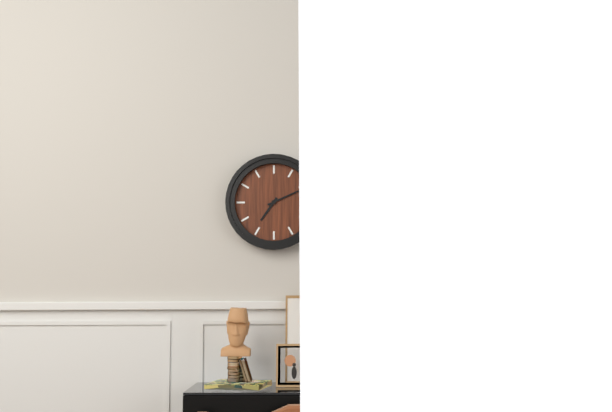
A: 7 h 11 min
